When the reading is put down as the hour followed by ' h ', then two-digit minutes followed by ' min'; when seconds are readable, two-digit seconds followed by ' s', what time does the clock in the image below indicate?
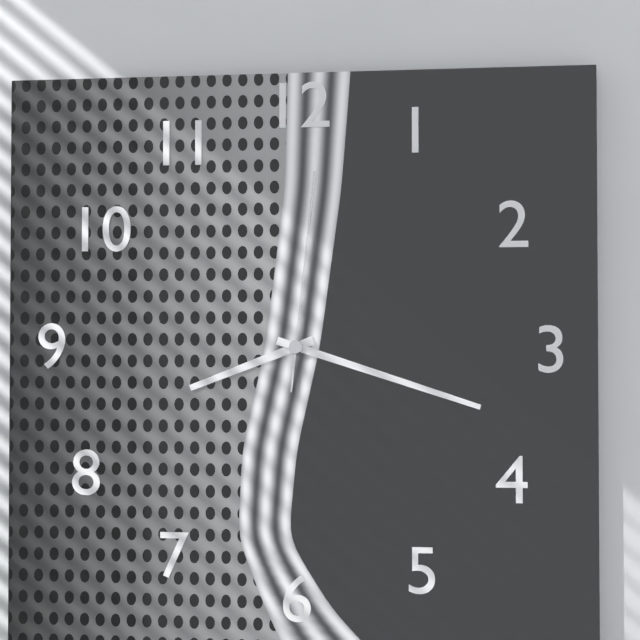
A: 8 h 18 min 01 s
